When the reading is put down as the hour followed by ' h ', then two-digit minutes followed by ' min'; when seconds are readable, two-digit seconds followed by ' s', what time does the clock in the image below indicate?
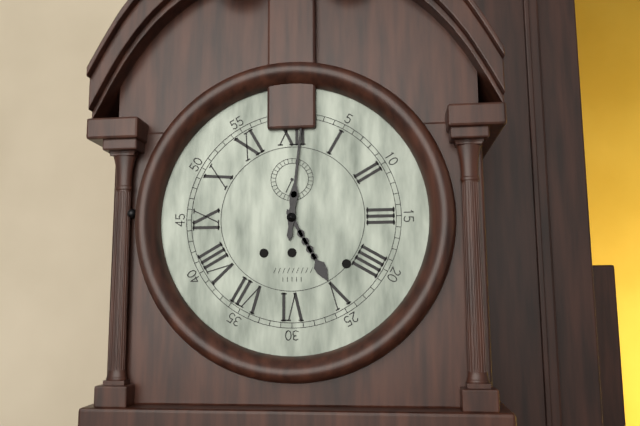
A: 5 h 01 min
